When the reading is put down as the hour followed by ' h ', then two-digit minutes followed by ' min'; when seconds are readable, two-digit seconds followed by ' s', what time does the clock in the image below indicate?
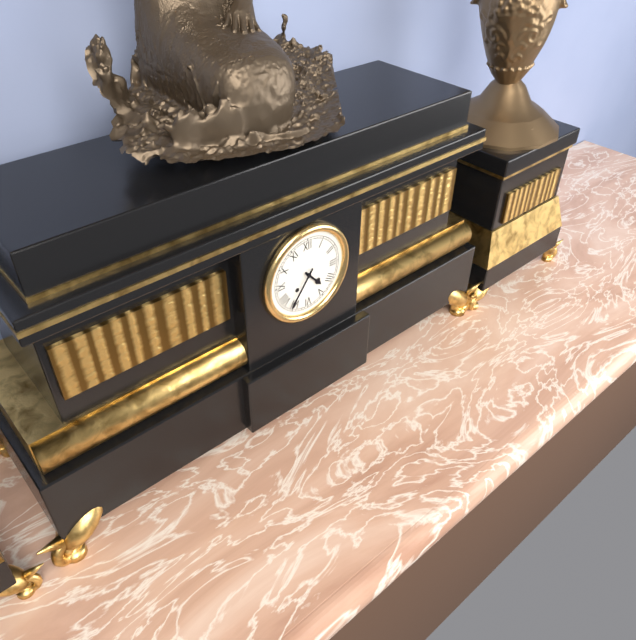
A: 4 h 36 min
